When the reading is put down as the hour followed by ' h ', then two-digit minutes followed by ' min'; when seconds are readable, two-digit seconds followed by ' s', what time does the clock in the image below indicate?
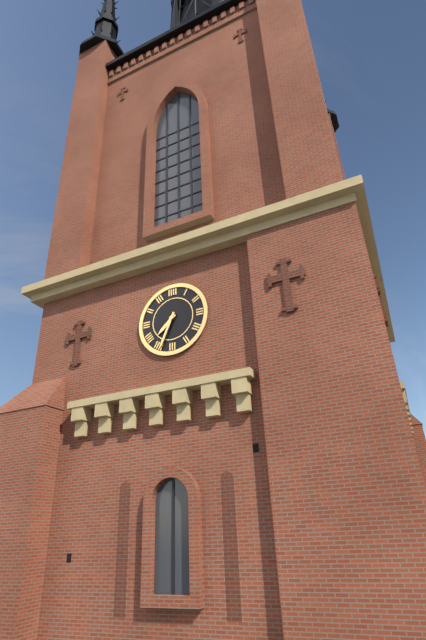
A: 7 h 34 min
